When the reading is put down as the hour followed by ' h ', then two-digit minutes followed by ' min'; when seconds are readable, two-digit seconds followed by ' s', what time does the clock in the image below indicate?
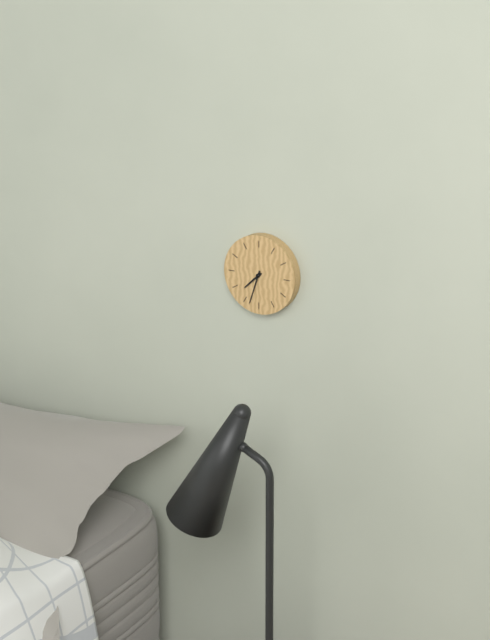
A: 7 h 33 min
